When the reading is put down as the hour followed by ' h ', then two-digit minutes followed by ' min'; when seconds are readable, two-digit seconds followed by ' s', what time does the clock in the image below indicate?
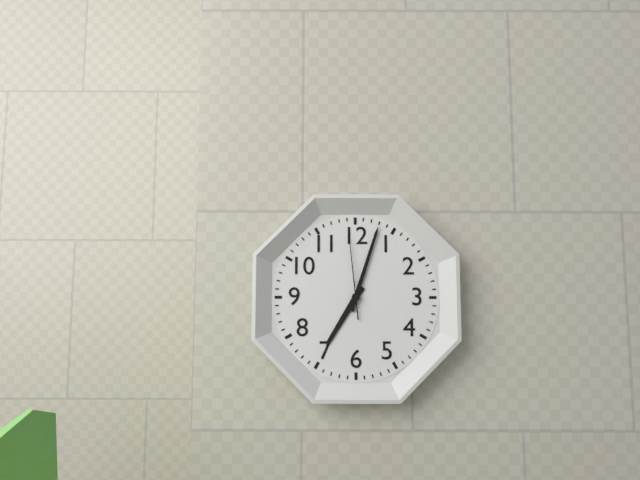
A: 7 h 03 min 59 s
